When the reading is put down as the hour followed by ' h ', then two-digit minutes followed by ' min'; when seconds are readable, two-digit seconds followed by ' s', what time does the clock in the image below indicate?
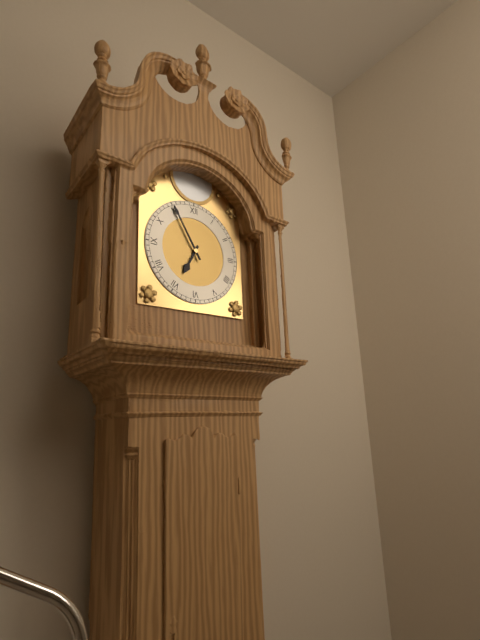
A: 6 h 55 min
